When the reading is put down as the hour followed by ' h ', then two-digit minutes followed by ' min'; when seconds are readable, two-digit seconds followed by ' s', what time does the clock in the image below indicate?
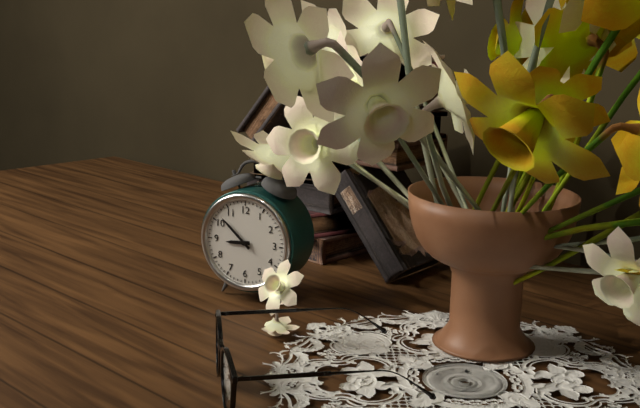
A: 8 h 52 min
